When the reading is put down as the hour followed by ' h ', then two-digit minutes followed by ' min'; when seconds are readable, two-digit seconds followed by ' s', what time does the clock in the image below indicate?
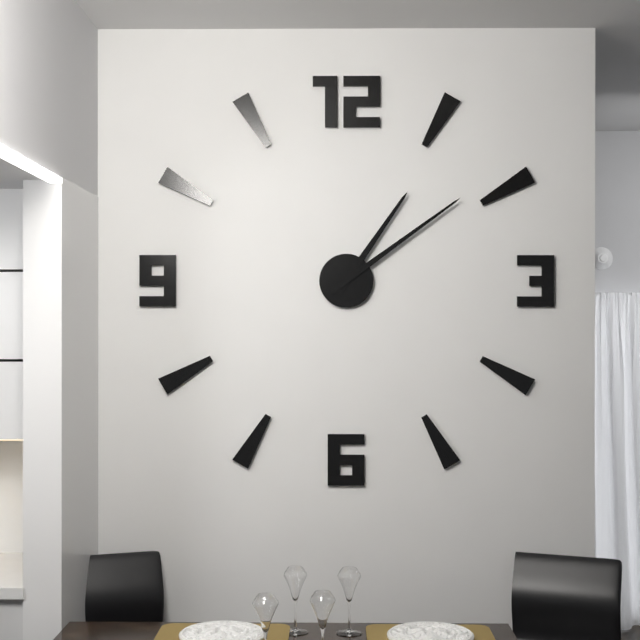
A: 1 h 09 min
